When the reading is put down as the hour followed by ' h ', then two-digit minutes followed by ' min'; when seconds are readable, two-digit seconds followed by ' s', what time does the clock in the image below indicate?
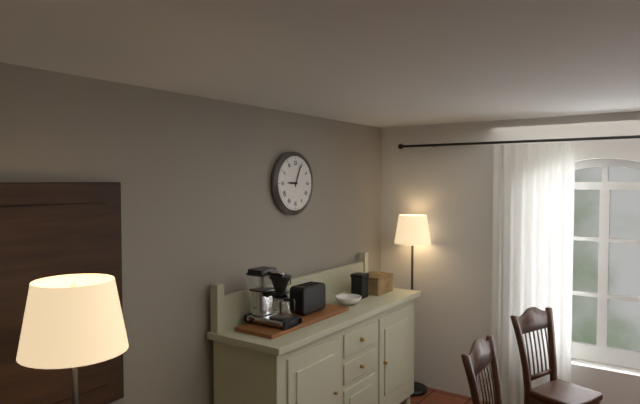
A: 9 h 04 min
